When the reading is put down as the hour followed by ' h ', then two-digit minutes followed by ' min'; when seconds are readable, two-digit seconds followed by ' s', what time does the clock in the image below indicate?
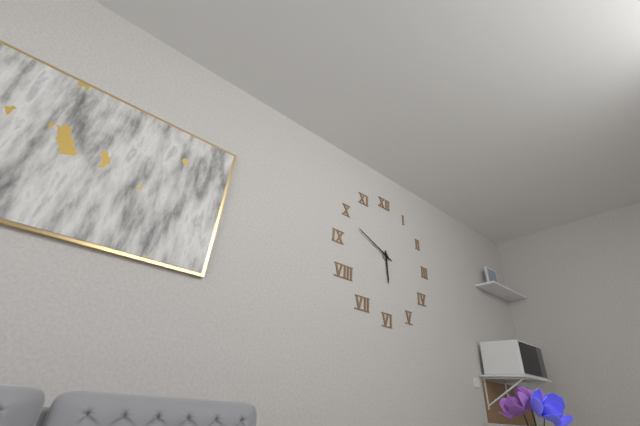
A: 5 h 49 min
